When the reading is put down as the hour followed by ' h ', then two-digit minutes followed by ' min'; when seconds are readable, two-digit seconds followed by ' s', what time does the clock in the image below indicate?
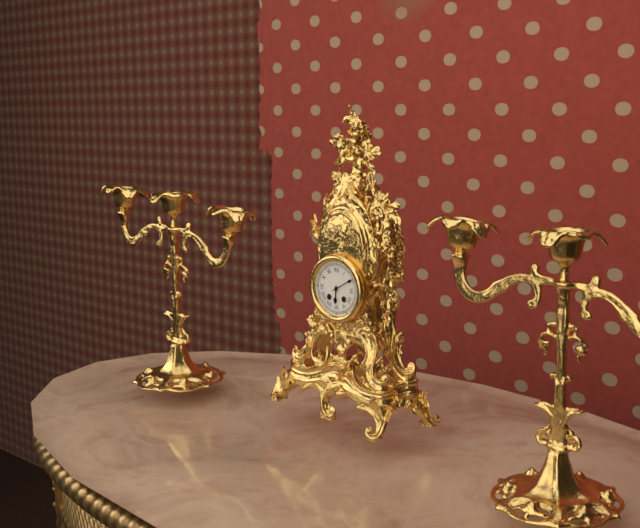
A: 6 h 10 min
